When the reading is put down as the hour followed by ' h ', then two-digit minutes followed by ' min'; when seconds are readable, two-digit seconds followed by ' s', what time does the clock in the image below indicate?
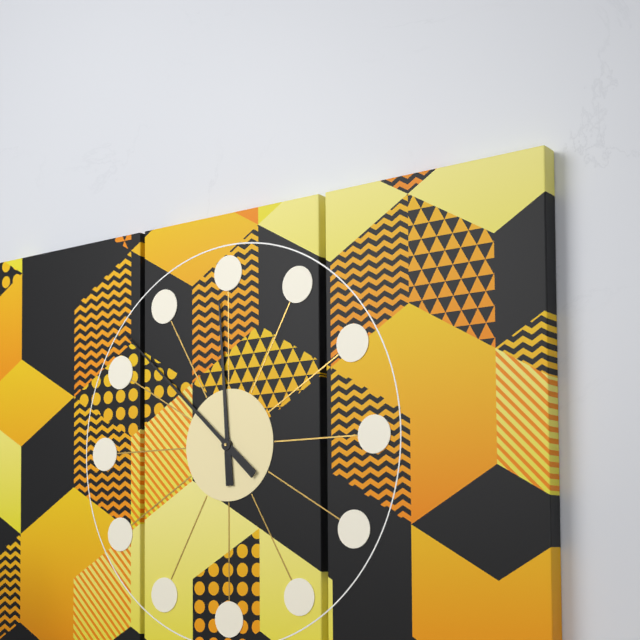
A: 11 h 52 min
